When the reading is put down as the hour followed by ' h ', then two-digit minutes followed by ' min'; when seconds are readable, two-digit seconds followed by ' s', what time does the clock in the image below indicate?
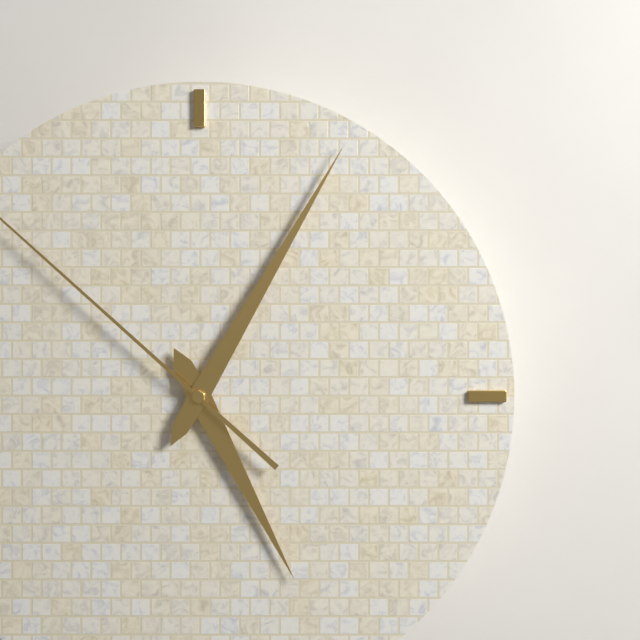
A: 5 h 05 min
